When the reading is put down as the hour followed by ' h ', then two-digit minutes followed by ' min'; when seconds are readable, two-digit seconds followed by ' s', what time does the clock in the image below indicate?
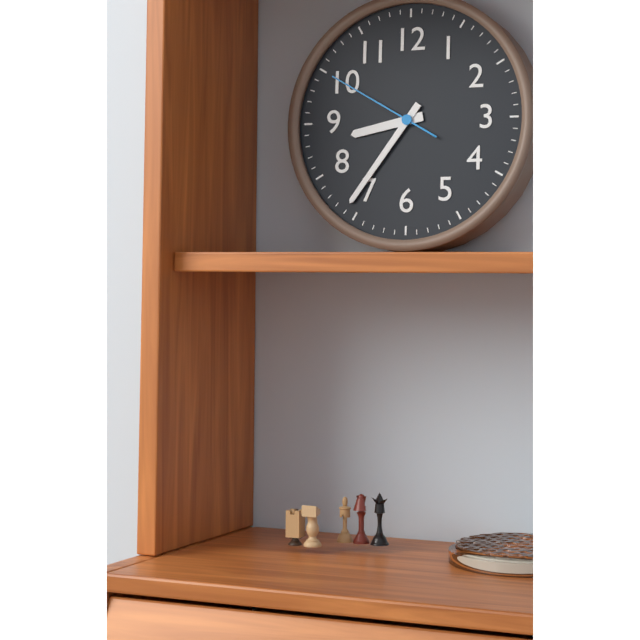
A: 8 h 36 min 50 s
